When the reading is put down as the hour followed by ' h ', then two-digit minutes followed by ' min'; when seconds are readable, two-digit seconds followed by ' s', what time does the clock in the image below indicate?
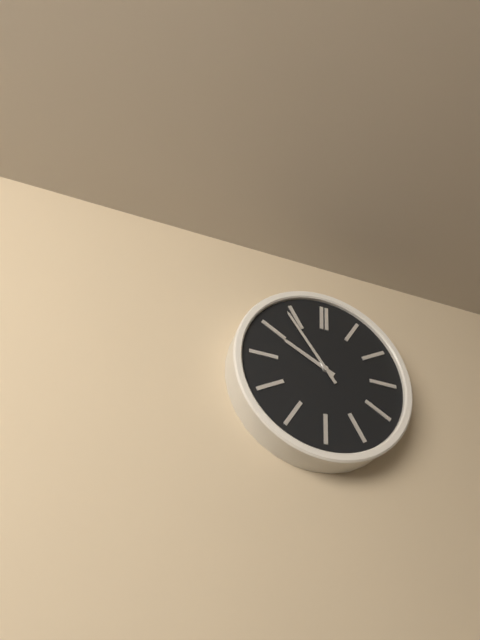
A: 9 h 54 min
